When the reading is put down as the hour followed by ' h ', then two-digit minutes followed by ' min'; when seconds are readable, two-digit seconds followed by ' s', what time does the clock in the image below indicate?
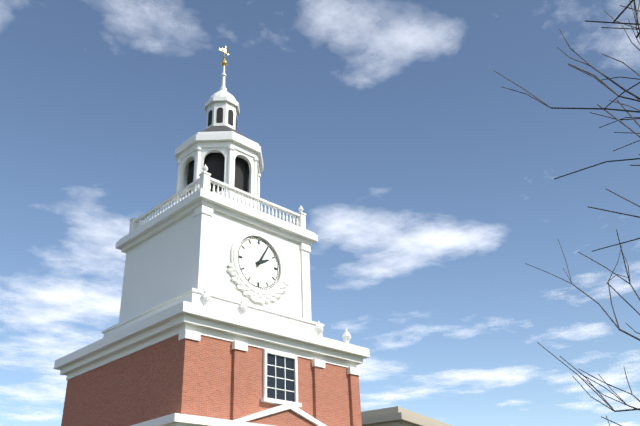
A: 2 h 05 min
